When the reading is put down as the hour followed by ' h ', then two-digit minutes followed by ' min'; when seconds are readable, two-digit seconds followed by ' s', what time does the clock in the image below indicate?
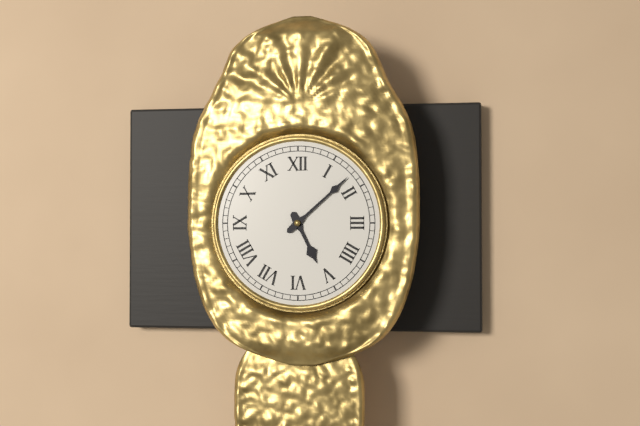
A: 5 h 08 min
